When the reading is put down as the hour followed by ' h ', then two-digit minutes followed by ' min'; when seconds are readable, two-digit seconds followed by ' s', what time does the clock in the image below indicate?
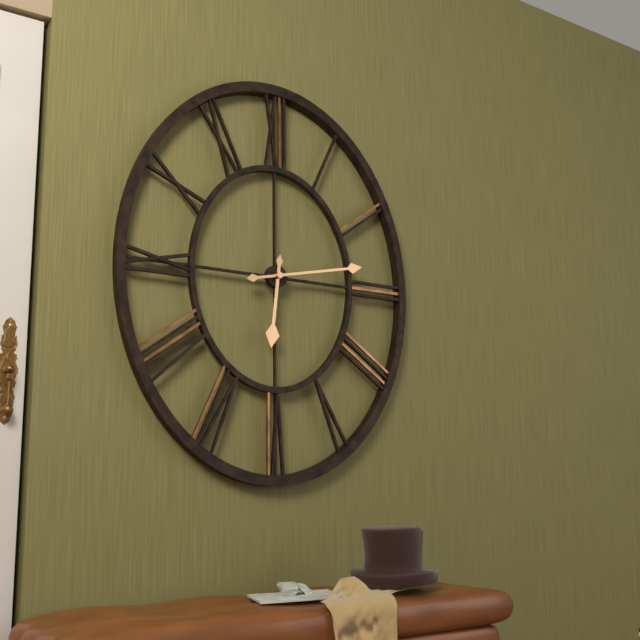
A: 6 h 13 min
